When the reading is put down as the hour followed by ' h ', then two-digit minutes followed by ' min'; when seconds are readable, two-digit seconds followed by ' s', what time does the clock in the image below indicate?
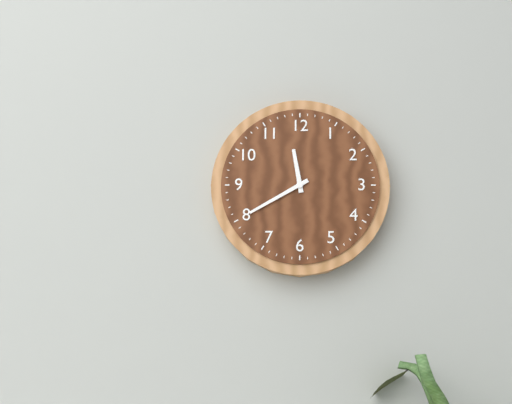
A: 11 h 40 min
